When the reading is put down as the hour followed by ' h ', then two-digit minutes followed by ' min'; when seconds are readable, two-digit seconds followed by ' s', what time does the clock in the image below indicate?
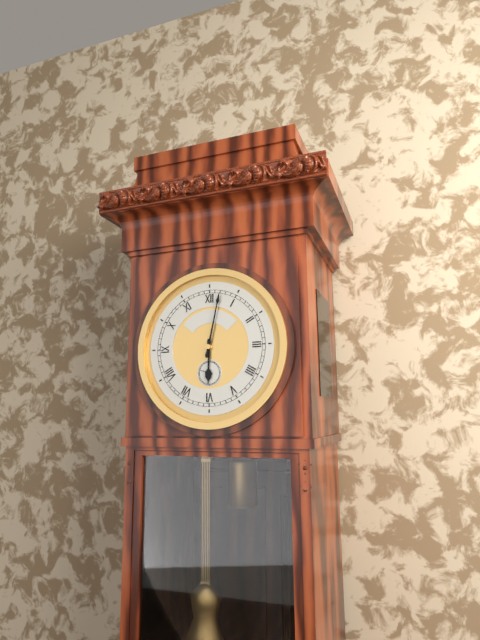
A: 6 h 02 min
